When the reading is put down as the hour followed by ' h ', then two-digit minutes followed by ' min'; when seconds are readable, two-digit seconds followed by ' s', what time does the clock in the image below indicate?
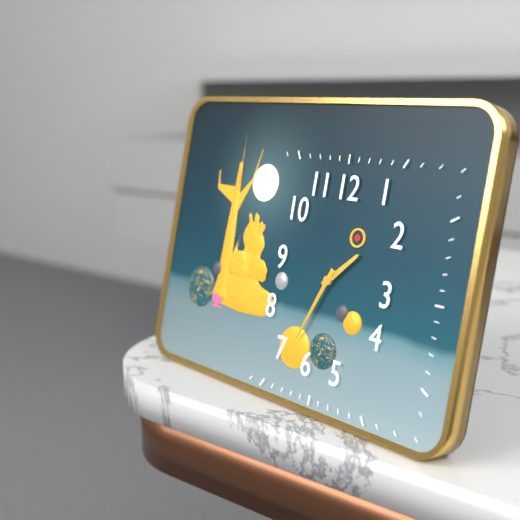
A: 1 h 34 min
